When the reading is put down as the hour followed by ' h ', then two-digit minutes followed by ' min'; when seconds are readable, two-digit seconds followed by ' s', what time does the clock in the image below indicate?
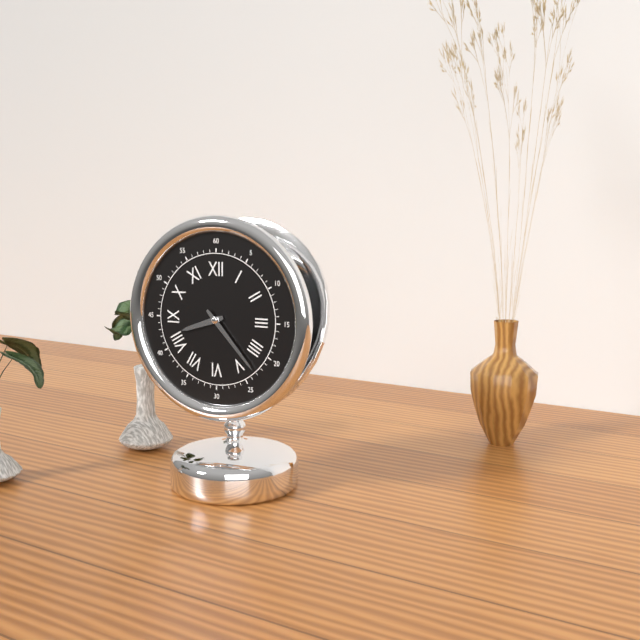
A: 8 h 23 min
